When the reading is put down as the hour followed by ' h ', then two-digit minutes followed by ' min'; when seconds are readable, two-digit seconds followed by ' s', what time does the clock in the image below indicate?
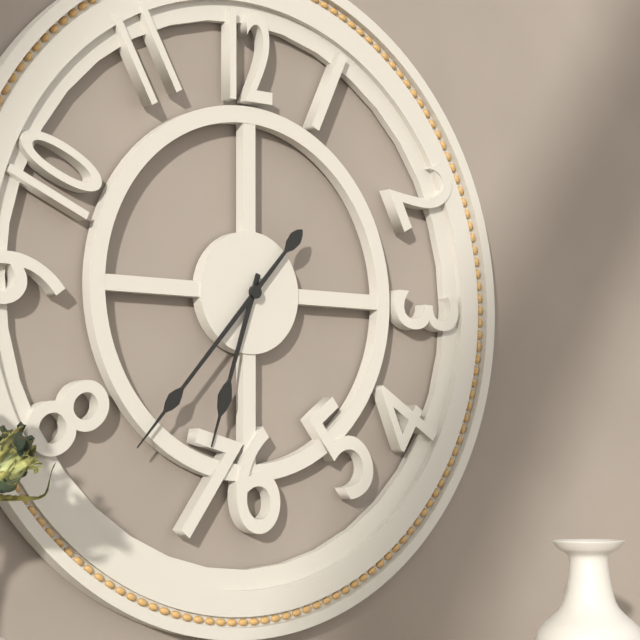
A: 6 h 37 min
